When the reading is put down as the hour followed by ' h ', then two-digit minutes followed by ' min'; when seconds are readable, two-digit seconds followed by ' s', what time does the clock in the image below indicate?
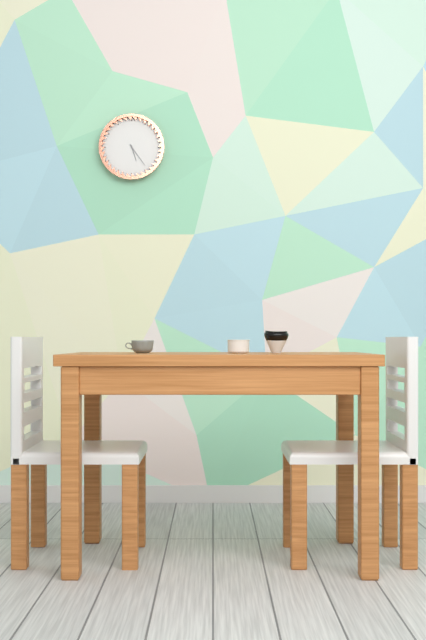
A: 5 h 24 min
